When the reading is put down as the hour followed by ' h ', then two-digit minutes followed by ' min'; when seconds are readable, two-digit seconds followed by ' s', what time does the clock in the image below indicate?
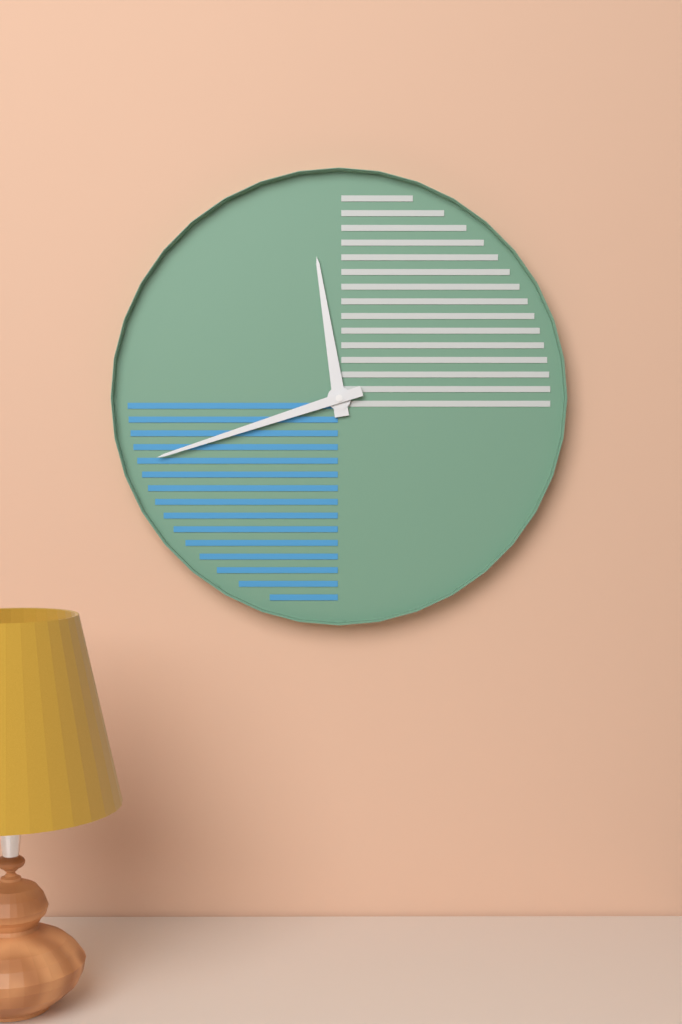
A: 11 h 42 min
